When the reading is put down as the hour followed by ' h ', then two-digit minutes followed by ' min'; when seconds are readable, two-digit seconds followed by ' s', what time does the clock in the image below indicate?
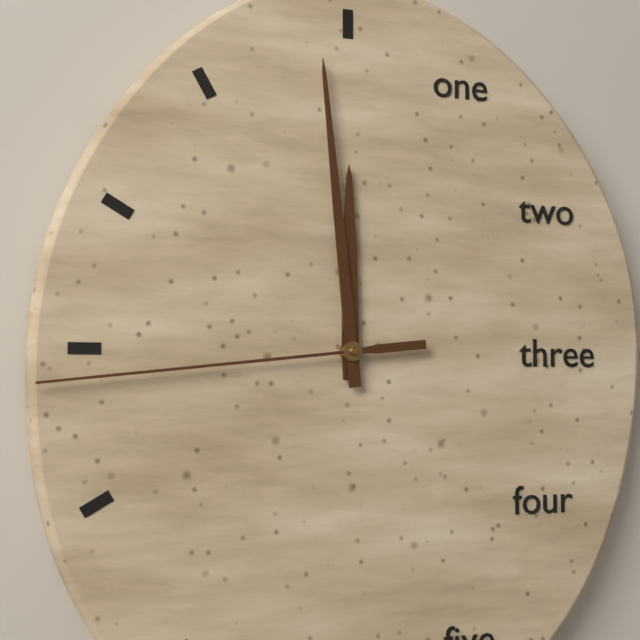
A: 11 h 59 min 44 s
